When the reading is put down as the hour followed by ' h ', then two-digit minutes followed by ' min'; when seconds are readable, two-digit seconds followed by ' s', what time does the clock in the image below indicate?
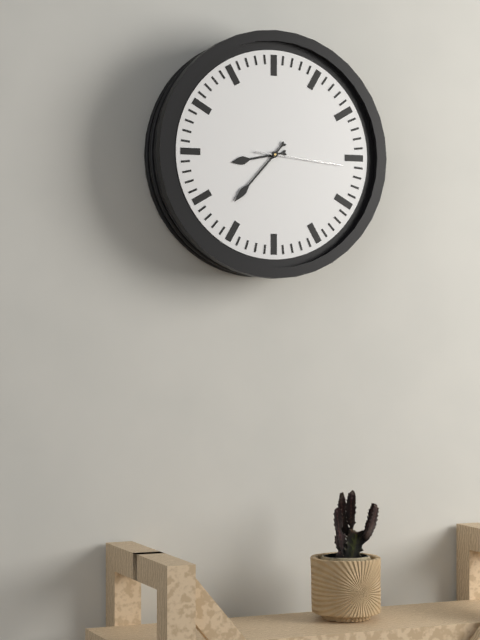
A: 8 h 37 min 16 s
